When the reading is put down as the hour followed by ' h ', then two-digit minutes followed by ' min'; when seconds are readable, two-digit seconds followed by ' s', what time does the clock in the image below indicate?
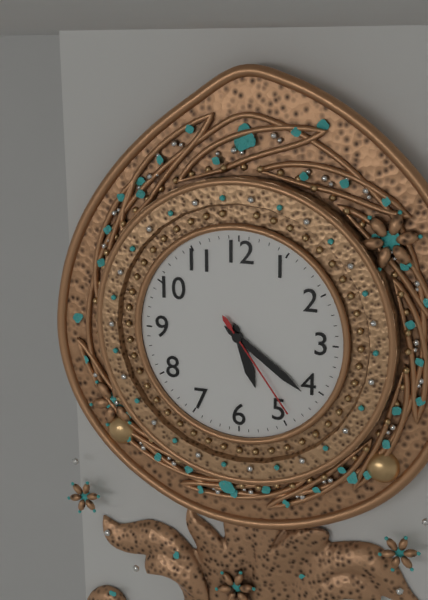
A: 5 h 21 min 24 s
